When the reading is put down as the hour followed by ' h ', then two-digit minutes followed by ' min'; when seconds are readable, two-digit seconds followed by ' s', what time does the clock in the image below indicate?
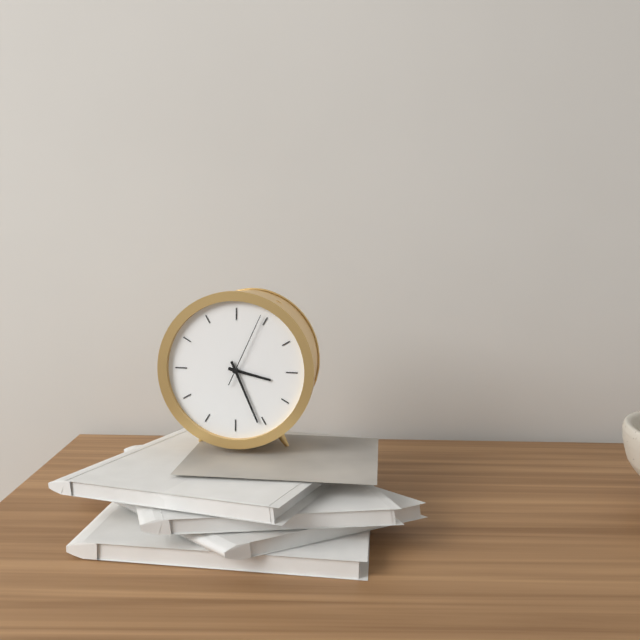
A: 3 h 26 min 04 s
